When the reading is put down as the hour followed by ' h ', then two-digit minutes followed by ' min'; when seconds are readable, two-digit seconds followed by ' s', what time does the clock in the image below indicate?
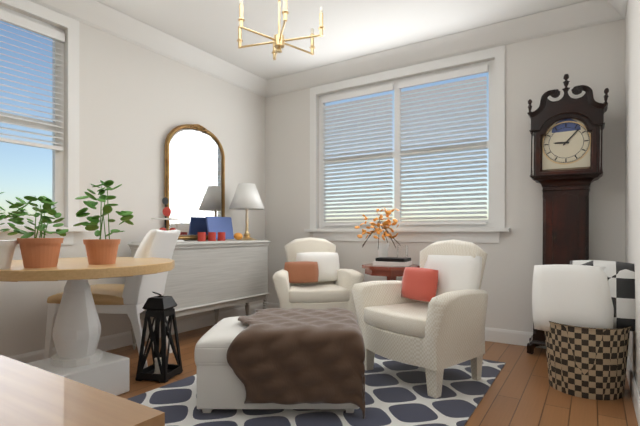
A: 9 h 07 min
